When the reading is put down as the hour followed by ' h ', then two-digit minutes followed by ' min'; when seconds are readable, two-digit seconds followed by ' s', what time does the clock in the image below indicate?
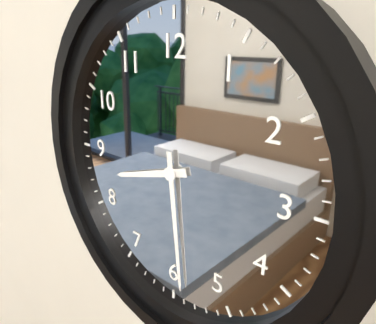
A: 8 h 29 min
